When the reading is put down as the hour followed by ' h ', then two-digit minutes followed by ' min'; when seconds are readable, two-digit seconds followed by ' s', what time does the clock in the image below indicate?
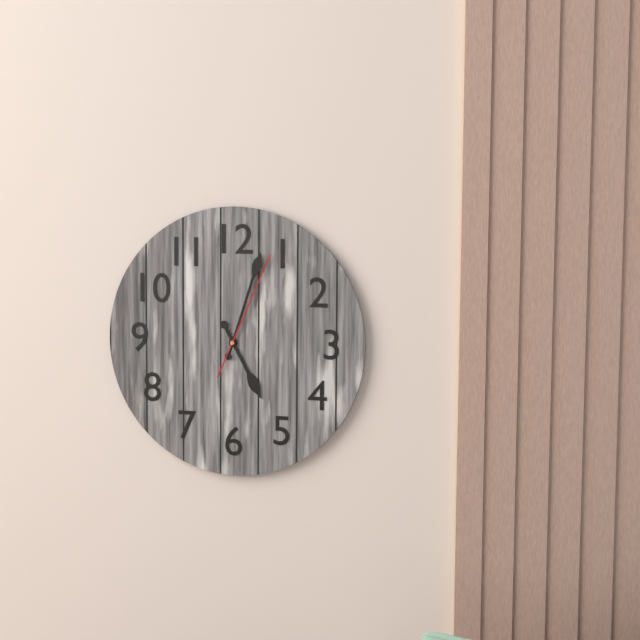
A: 5 h 03 min 04 s
